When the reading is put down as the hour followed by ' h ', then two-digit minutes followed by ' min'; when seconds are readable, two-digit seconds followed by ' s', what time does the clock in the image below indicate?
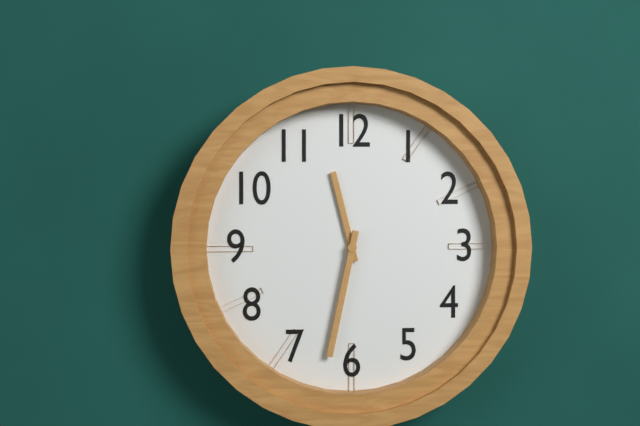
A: 11 h 32 min
